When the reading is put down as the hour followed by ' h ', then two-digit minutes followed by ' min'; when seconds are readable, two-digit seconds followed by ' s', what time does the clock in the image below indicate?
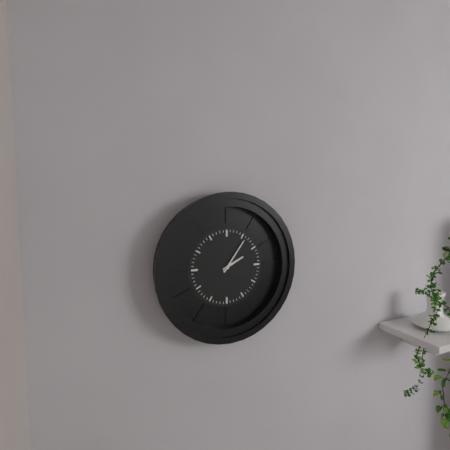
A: 2 h 06 min
